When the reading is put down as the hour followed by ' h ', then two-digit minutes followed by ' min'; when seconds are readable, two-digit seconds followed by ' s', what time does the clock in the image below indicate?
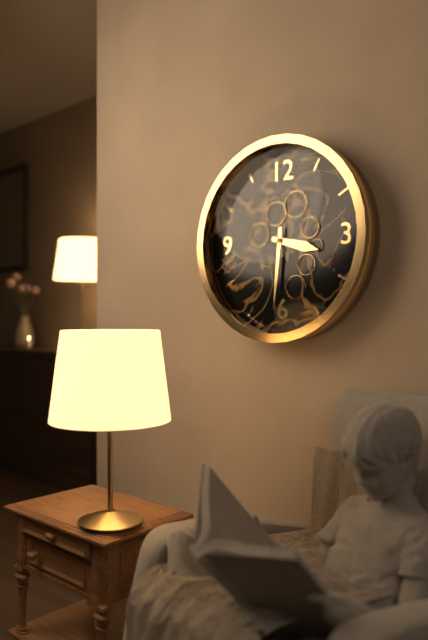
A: 3 h 31 min
